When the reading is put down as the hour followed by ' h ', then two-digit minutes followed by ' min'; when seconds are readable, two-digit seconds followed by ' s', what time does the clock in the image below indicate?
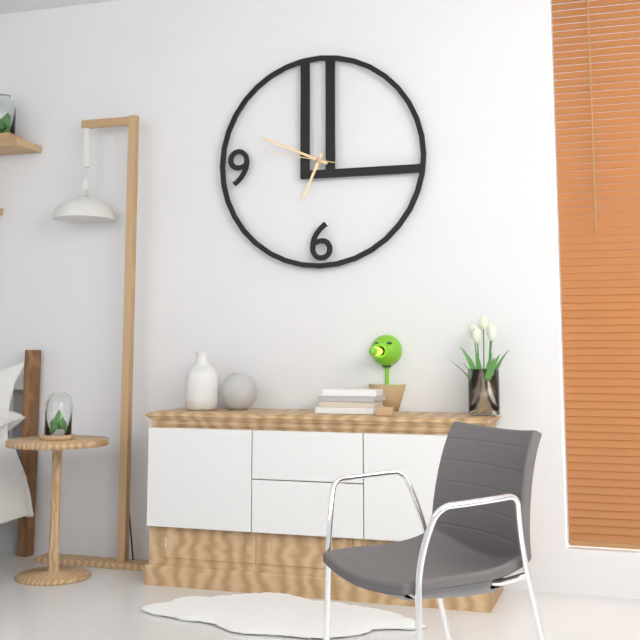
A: 6 h 49 min 47 s
